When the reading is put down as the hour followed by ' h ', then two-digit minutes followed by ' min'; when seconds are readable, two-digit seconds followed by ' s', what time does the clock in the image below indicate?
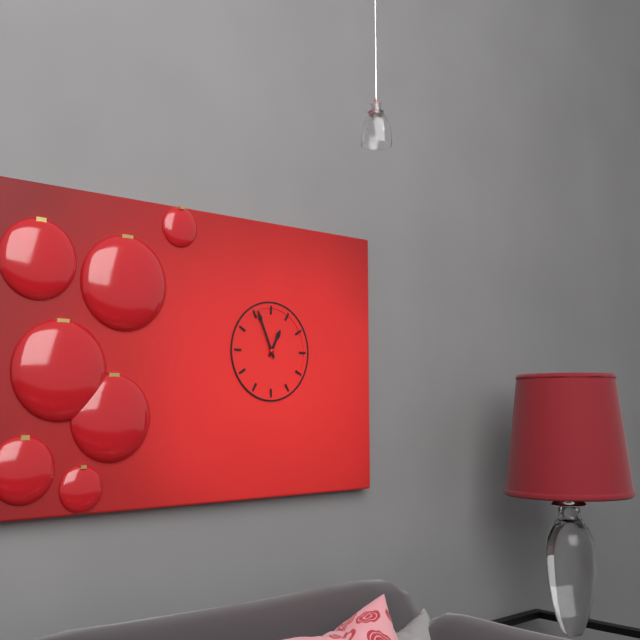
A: 12 h 56 min
